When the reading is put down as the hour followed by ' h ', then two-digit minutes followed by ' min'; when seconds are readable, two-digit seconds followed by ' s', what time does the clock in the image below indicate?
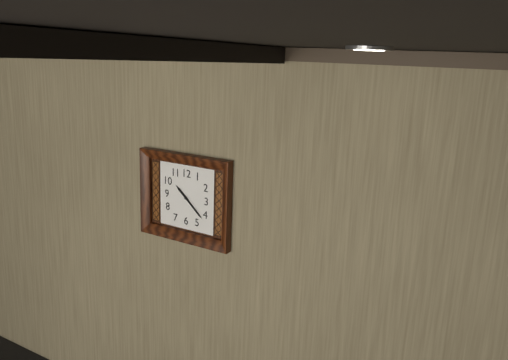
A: 10 h 22 min
